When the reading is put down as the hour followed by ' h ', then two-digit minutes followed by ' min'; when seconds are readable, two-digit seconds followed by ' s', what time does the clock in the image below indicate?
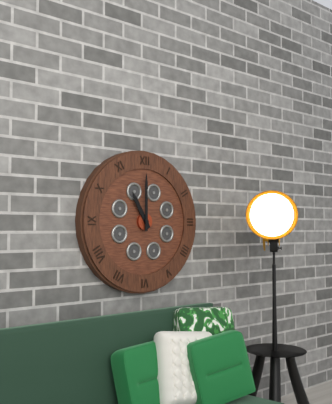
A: 11 h 00 min
